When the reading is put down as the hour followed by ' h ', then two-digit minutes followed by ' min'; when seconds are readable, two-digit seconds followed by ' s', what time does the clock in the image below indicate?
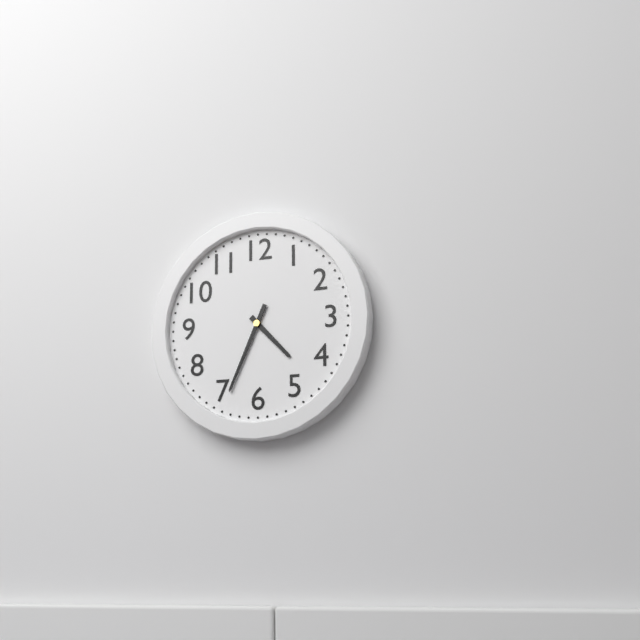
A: 4 h 34 min
